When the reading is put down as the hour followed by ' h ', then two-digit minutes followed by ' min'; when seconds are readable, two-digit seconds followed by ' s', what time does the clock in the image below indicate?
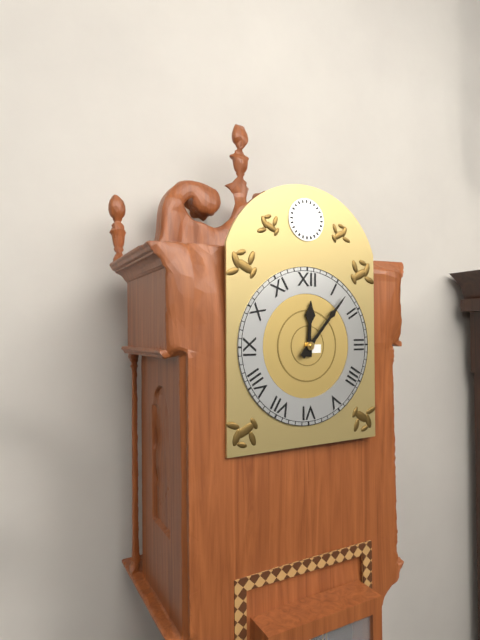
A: 12 h 07 min
